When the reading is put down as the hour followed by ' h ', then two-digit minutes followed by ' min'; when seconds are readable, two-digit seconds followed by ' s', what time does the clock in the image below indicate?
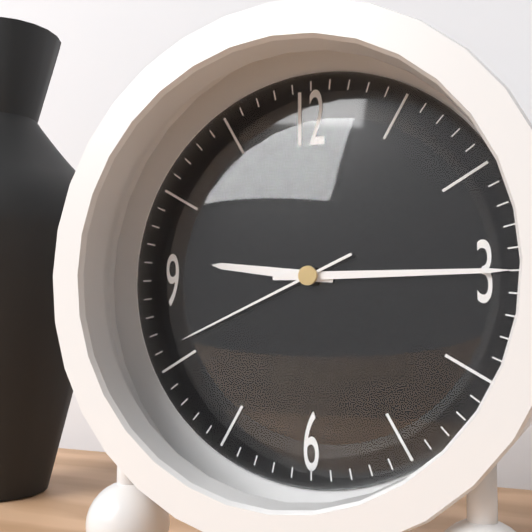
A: 9 h 15 min 41 s
